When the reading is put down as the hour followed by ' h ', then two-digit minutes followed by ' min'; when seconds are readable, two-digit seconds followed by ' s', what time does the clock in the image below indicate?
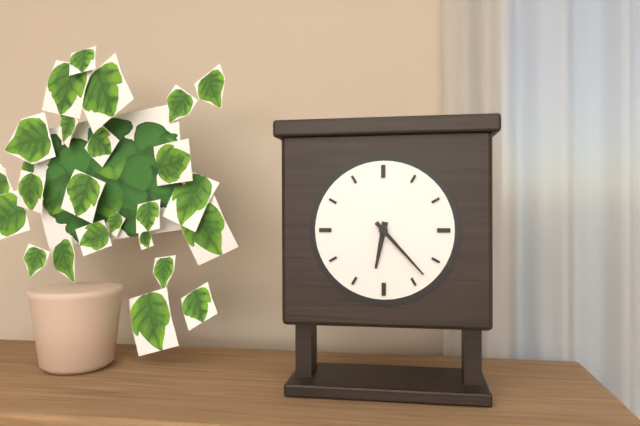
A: 6 h 23 min
